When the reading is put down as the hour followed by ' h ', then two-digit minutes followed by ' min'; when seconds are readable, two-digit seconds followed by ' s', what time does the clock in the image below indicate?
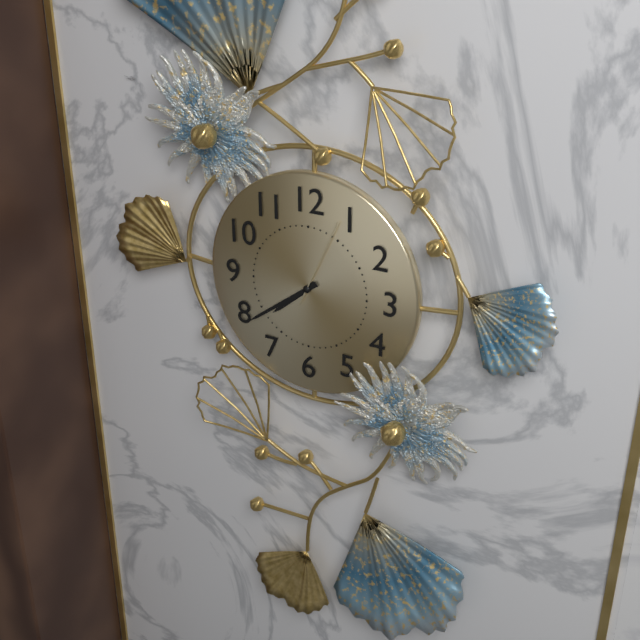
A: 7 h 39 min 04 s
